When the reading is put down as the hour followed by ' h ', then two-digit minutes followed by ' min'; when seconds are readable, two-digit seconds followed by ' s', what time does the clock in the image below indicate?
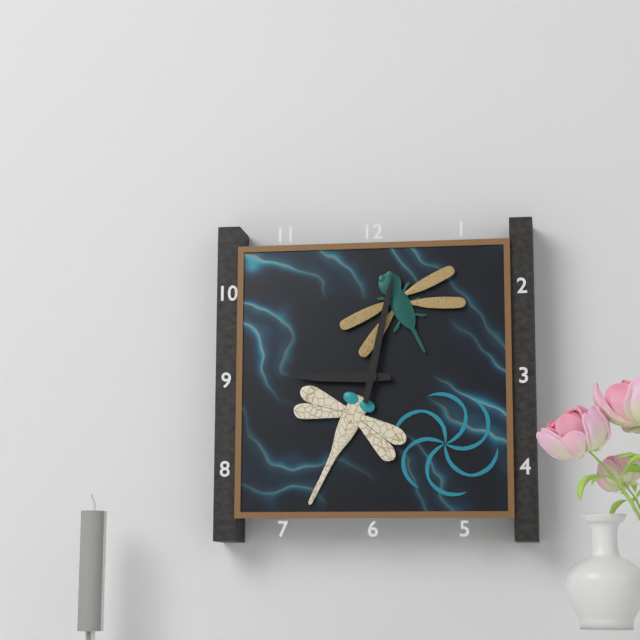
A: 9 h 02 min
